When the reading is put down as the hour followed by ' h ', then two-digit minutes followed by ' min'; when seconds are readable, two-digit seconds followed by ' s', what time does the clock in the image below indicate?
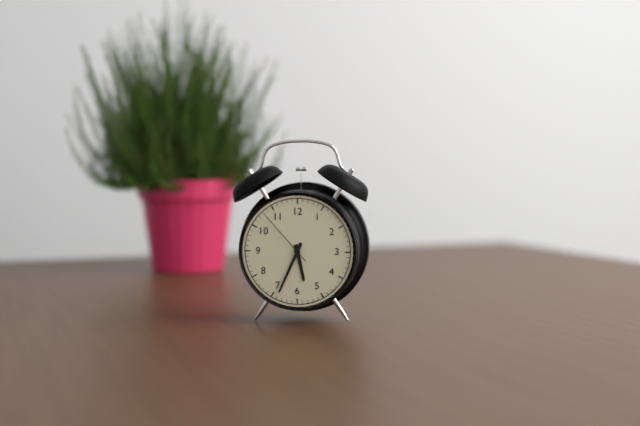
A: 5 h 34 min 53 s
